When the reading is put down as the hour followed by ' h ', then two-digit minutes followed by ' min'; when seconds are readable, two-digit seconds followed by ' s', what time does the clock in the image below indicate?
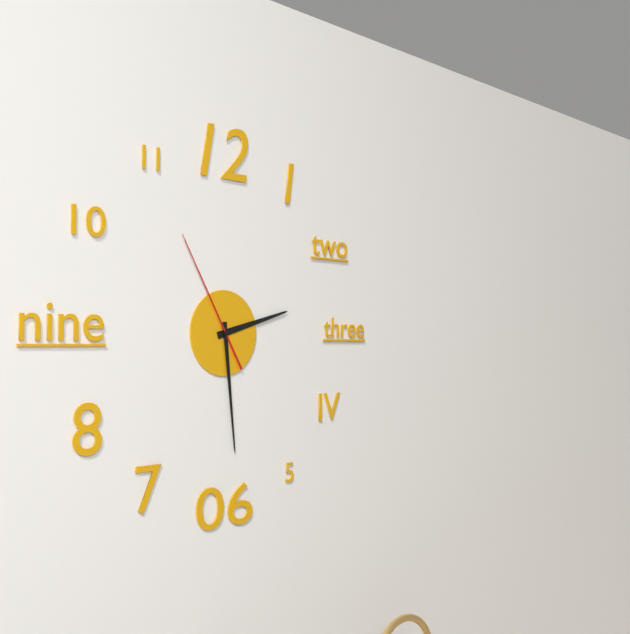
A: 2 h 29 min 55 s
